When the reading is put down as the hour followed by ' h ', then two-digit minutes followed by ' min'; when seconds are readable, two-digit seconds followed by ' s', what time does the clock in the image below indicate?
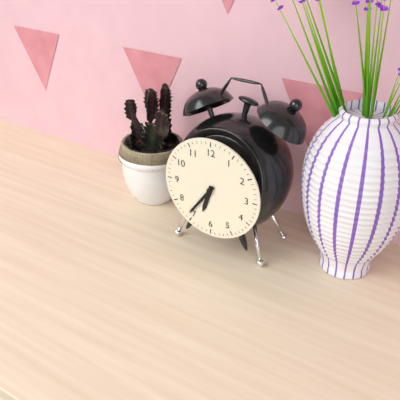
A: 6 h 36 min
